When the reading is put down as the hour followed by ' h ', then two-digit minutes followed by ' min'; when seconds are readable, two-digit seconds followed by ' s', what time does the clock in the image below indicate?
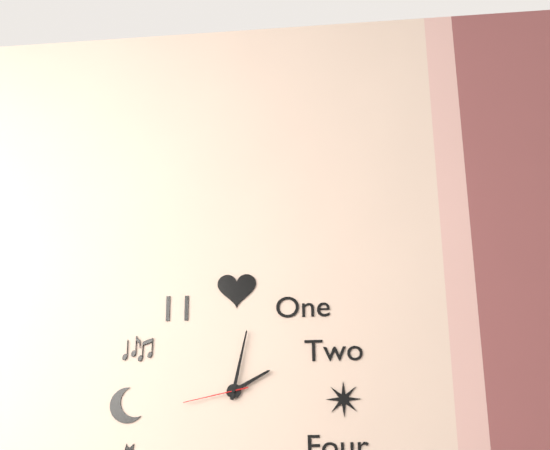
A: 2 h 02 min 43 s
